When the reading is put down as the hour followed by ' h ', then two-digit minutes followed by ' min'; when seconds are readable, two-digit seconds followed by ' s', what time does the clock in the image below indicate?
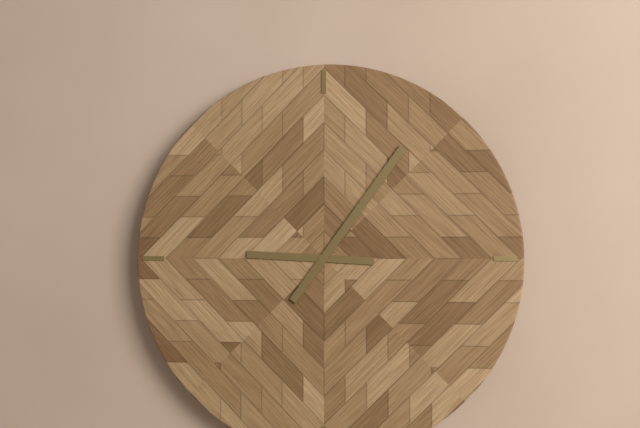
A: 9 h 06 min
